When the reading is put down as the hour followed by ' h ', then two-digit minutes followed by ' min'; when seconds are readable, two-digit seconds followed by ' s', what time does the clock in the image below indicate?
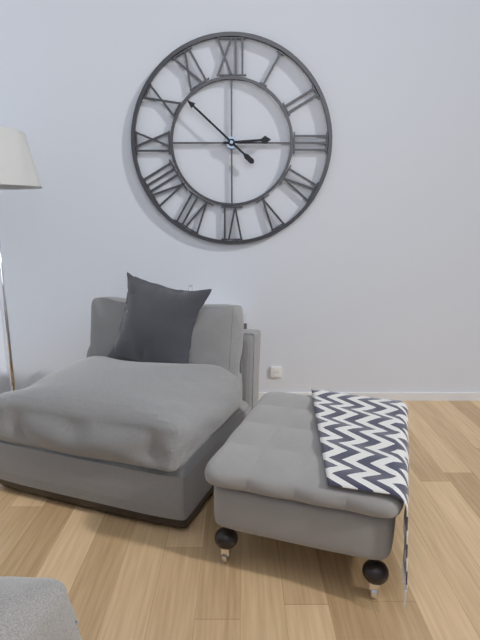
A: 2 h 52 min
